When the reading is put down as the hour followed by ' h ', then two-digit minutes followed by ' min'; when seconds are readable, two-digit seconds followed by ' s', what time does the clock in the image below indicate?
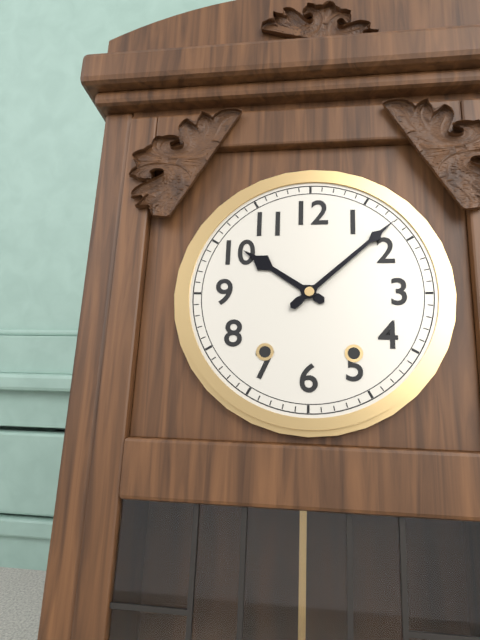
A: 10 h 08 min
